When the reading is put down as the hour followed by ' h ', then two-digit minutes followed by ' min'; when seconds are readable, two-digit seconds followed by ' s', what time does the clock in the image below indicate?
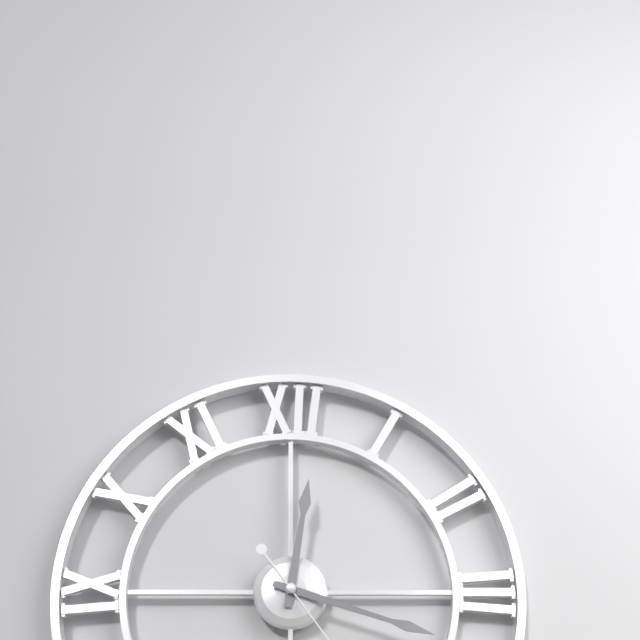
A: 12 h 18 min
